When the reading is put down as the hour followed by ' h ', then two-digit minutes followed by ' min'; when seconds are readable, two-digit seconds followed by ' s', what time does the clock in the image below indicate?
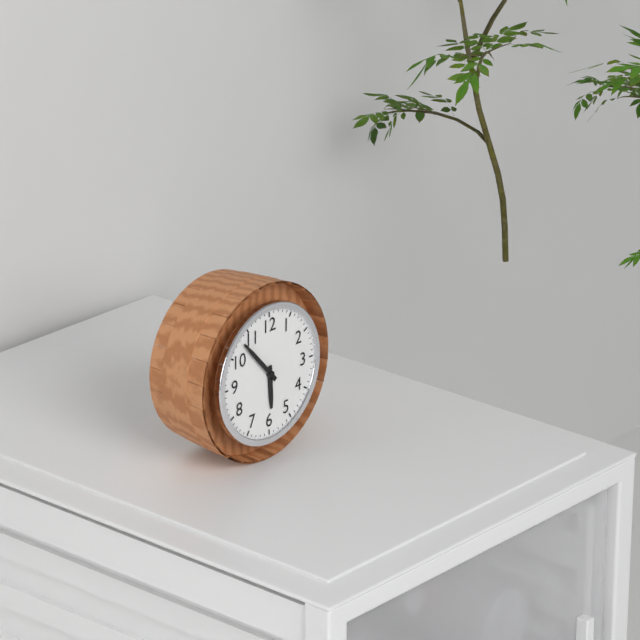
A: 5 h 53 min
